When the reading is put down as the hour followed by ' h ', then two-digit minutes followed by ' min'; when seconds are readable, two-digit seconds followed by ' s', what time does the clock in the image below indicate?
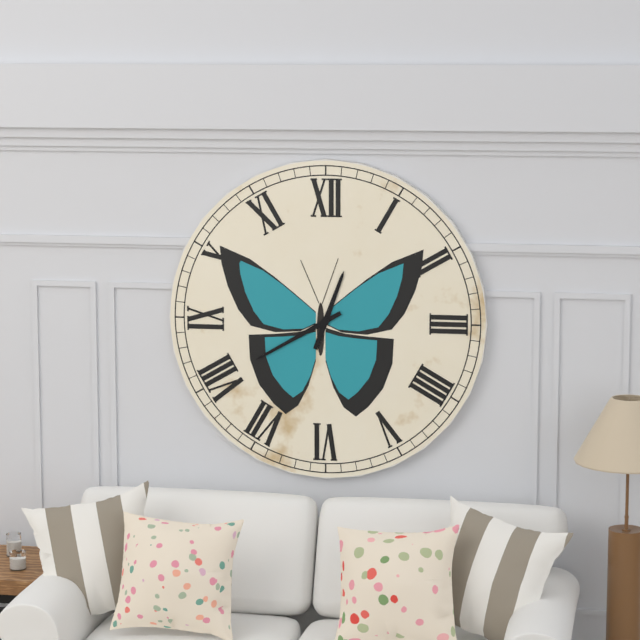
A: 12 h 40 min
